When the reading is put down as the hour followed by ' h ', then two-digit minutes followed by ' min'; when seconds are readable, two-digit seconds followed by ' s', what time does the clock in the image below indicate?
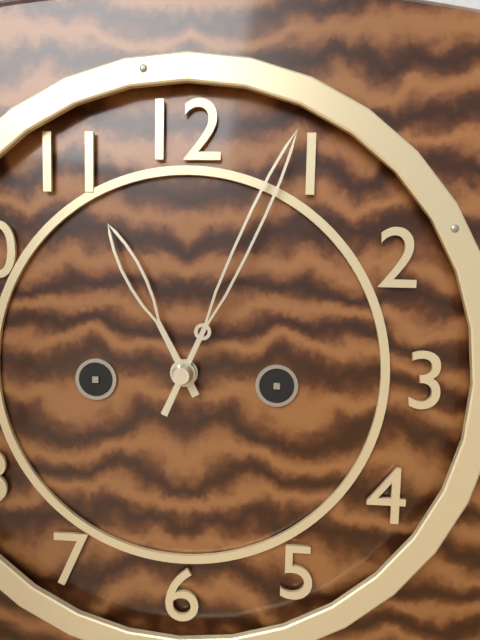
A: 11 h 04 min
